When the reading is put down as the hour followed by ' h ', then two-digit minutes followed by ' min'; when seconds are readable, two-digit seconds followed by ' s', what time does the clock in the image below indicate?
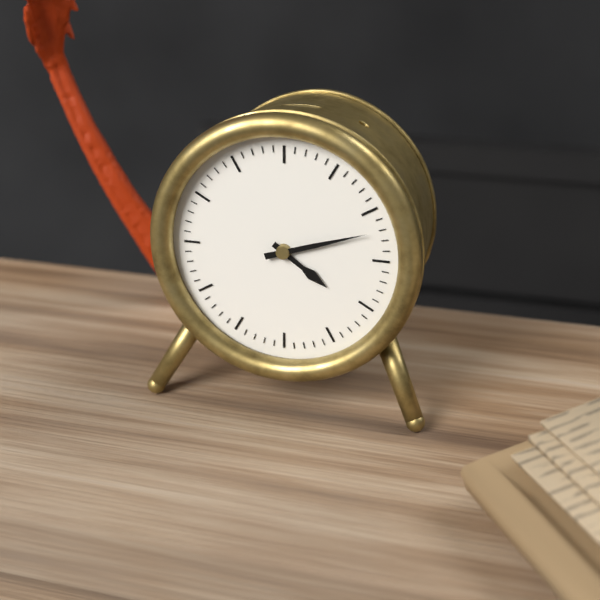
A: 4 h 12 min
